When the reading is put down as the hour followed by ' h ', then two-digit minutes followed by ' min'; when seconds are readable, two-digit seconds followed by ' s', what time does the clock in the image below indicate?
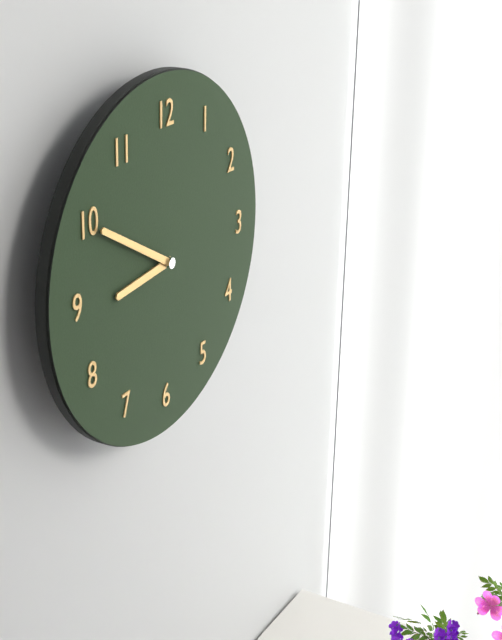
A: 8 h 50 min
